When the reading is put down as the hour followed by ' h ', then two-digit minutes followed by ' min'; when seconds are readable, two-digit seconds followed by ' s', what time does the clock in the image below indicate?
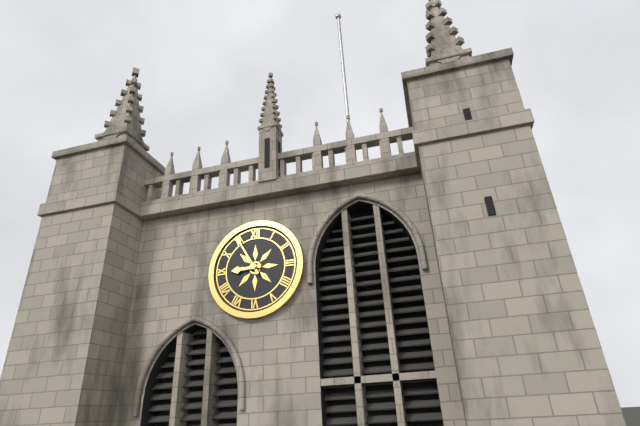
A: 8 h 55 min
